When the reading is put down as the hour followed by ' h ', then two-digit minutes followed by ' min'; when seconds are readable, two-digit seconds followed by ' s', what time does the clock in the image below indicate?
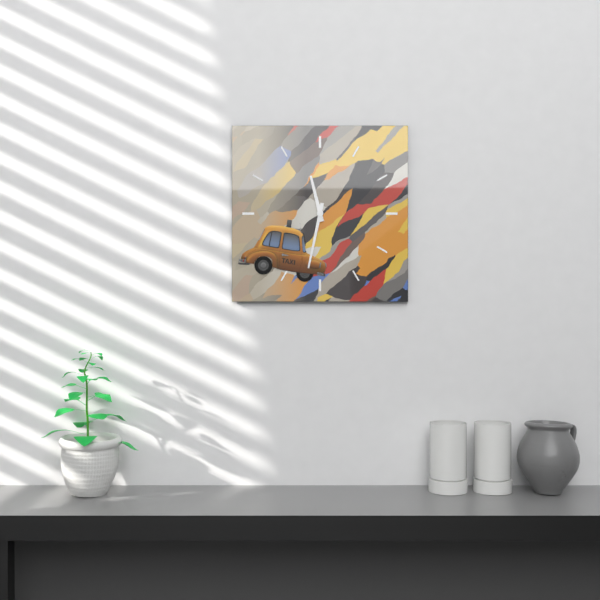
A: 11 h 32 min
